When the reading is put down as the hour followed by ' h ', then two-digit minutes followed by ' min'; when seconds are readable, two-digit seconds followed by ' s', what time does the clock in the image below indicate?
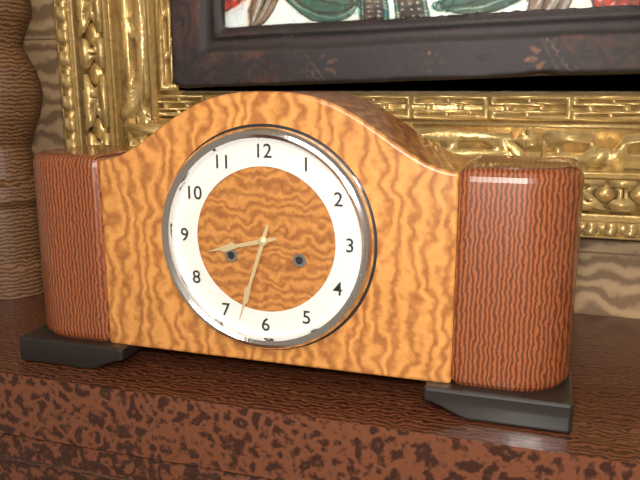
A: 8 h 33 min
